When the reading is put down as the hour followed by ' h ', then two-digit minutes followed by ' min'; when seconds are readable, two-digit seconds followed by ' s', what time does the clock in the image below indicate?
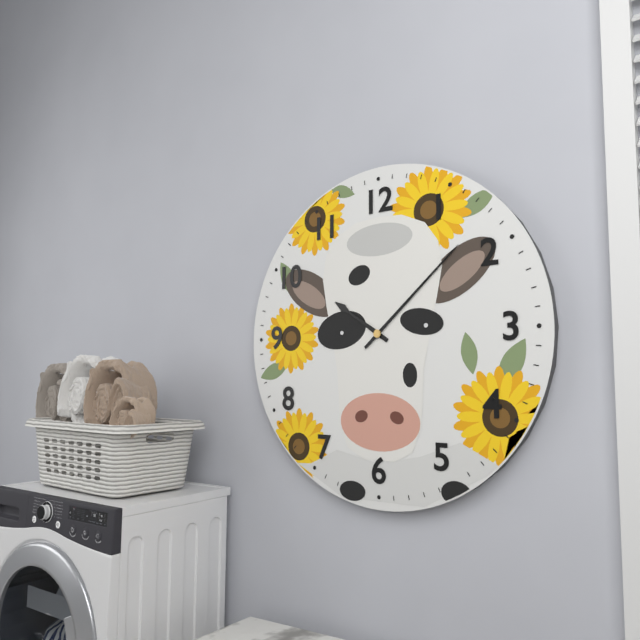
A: 10 h 08 min
